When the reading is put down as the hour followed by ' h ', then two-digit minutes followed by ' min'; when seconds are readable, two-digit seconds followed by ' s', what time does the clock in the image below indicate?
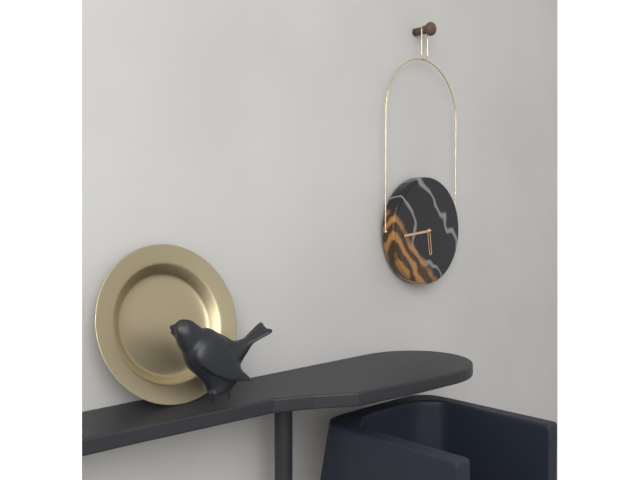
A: 5 h 44 min
